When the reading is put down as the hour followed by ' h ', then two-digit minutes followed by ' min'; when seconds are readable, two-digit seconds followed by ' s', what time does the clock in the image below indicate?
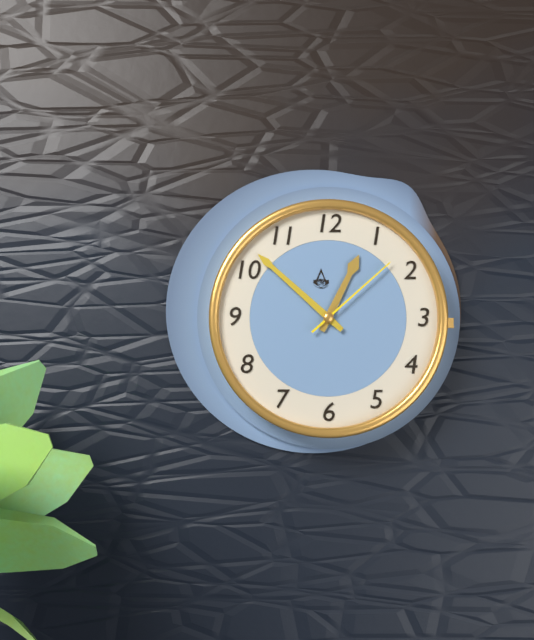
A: 12 h 52 min 08 s
